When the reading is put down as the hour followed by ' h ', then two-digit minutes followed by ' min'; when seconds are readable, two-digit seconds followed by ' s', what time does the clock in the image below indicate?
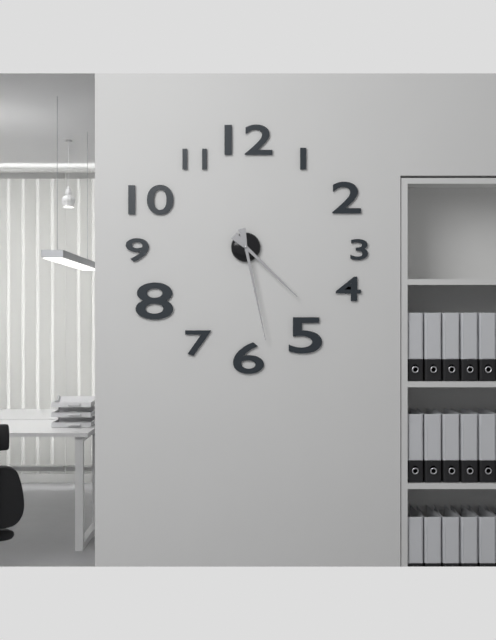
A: 4 h 28 min
